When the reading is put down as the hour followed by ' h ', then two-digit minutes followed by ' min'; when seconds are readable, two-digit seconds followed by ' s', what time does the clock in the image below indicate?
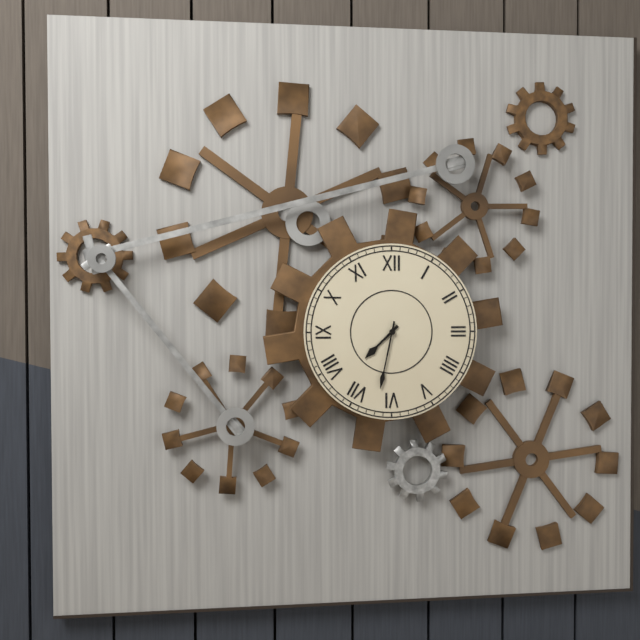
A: 7 h 32 min
